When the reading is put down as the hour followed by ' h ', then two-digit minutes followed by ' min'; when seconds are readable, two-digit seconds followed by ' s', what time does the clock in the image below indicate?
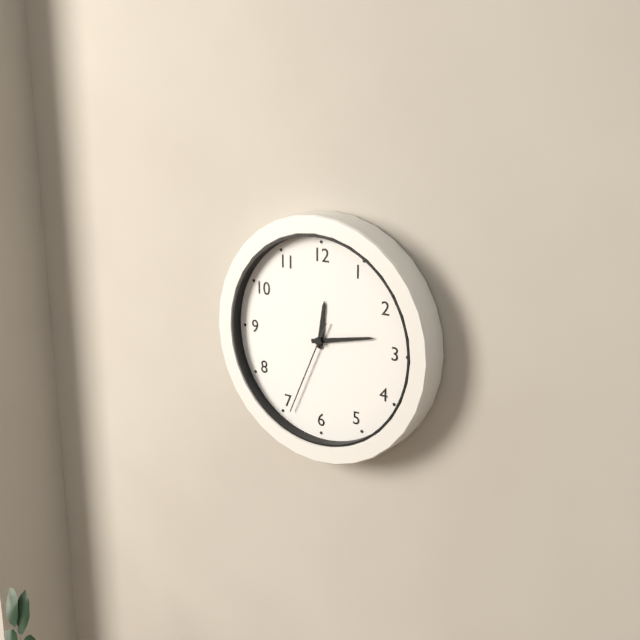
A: 12 h 13 min 34 s
